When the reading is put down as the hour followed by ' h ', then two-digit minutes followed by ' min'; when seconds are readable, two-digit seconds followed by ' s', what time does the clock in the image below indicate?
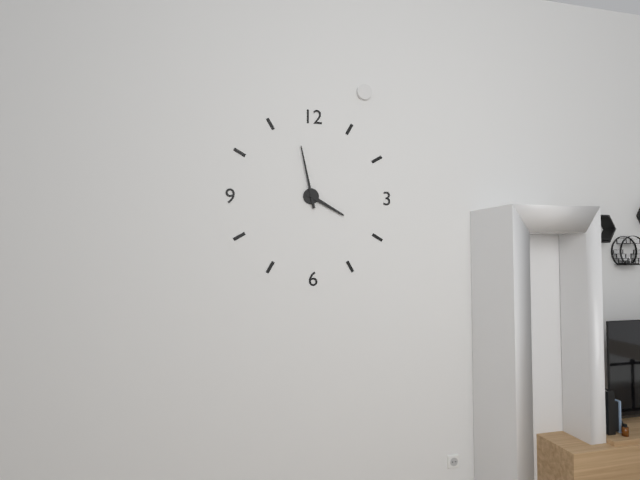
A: 3 h 58 min
